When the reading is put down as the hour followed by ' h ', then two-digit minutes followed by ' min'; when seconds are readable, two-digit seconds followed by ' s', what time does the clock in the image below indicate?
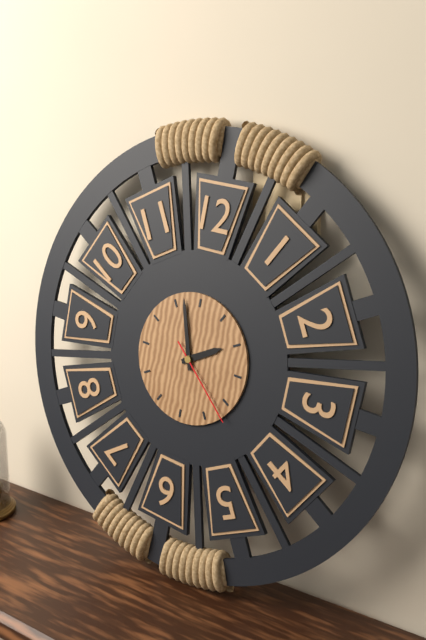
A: 1 h 57 min 22 s
